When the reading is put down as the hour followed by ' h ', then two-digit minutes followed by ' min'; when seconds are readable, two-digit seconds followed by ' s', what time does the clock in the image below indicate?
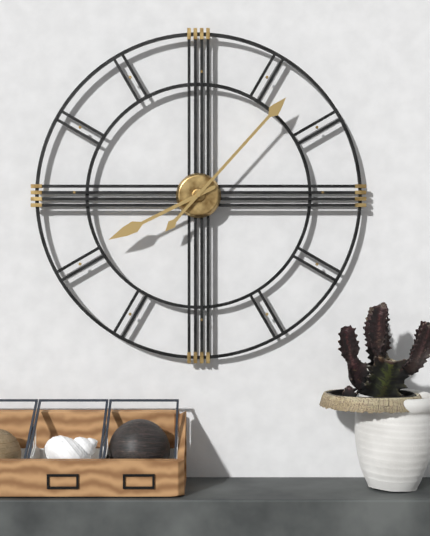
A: 8 h 07 min
